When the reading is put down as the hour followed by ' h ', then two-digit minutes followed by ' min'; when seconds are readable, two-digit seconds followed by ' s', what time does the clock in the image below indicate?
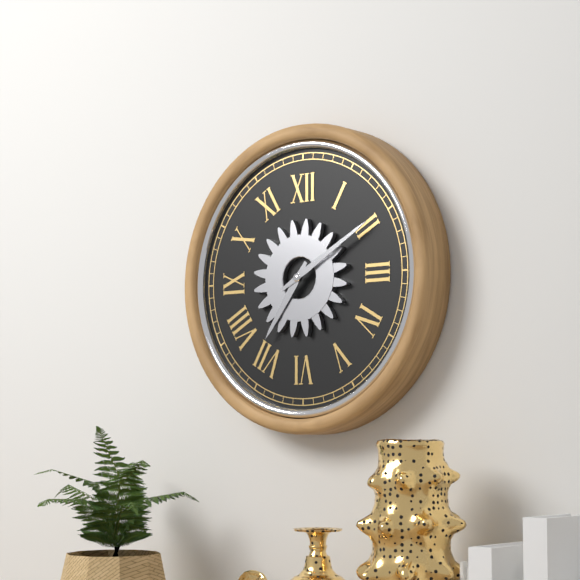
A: 7 h 10 min
